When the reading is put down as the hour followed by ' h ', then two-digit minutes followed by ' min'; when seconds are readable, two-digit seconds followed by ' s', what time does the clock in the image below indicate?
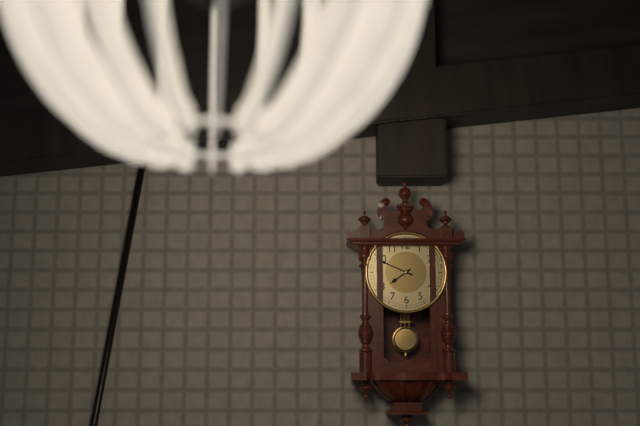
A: 7 h 49 min
